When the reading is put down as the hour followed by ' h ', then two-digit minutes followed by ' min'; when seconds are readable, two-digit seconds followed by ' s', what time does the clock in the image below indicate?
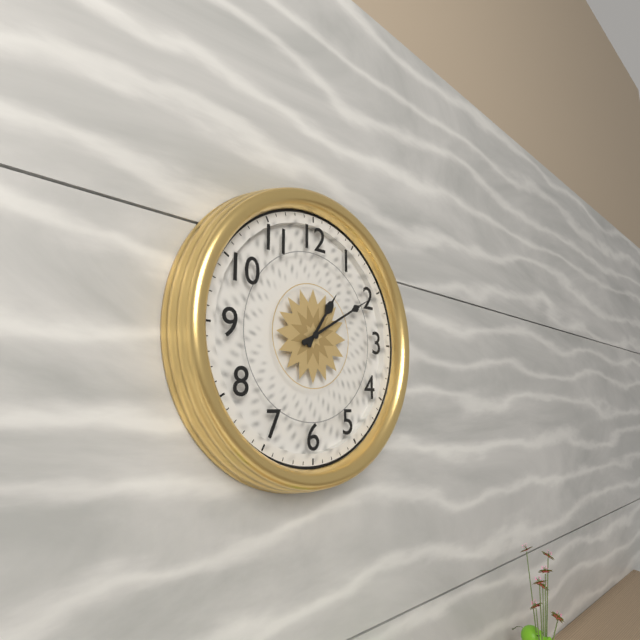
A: 1 h 10 min
